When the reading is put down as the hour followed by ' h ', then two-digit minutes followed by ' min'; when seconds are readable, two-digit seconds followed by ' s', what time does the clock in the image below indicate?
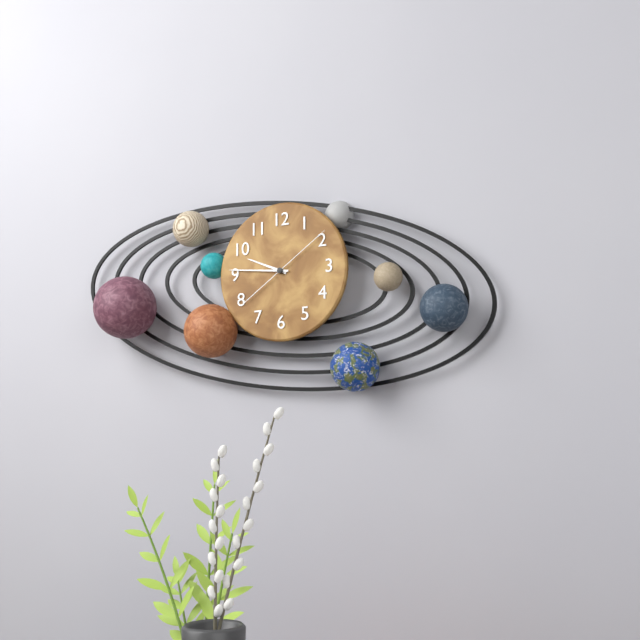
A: 9 h 46 min 09 s
